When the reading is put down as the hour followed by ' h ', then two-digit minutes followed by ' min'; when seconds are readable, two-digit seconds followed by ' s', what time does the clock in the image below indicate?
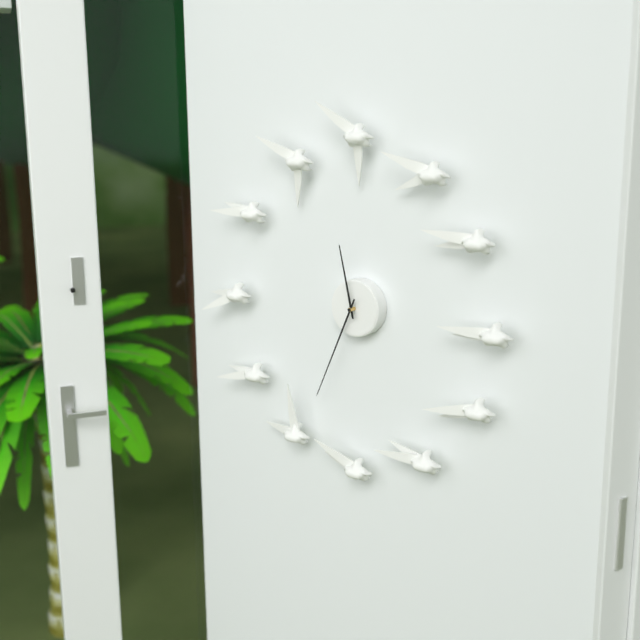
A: 11 h 34 min
